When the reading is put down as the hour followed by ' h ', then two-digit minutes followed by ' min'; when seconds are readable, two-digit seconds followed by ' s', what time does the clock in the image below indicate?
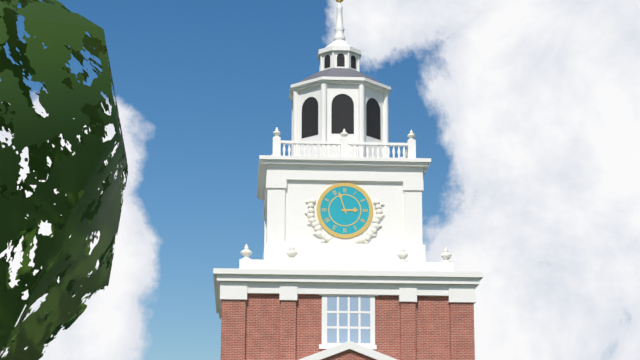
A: 2 h 57 min
